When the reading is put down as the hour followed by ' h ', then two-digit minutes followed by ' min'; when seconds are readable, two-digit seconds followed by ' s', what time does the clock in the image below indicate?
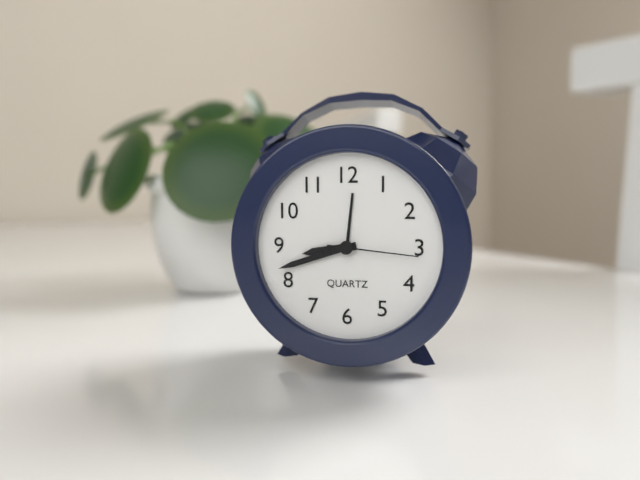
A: 8 h 42 min 16 s
